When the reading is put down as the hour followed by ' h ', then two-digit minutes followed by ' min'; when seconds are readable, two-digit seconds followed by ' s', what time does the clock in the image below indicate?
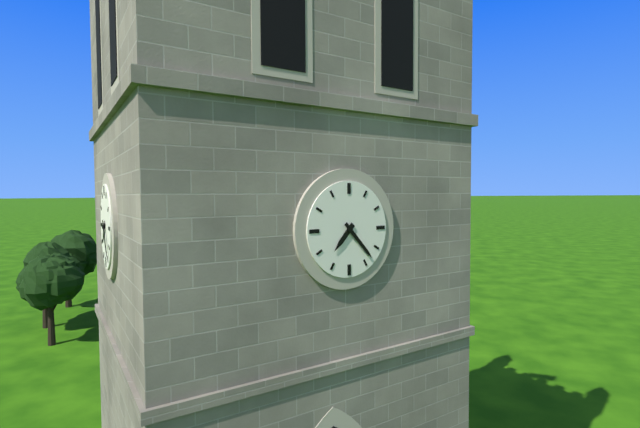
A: 7 h 23 min
